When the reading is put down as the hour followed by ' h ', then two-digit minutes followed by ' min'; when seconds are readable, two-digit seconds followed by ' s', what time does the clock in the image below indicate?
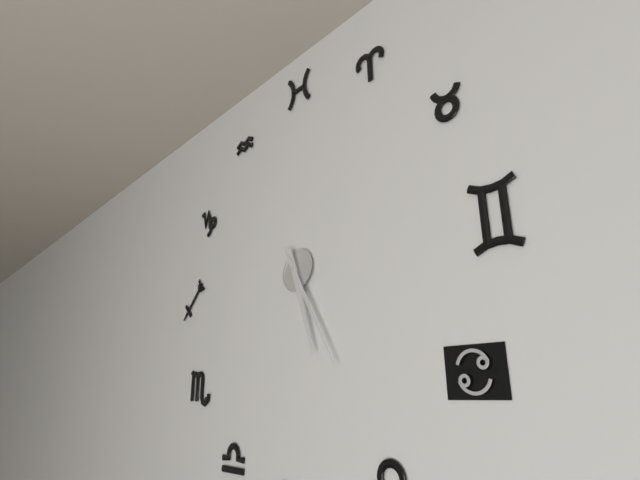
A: 5 h 25 min
